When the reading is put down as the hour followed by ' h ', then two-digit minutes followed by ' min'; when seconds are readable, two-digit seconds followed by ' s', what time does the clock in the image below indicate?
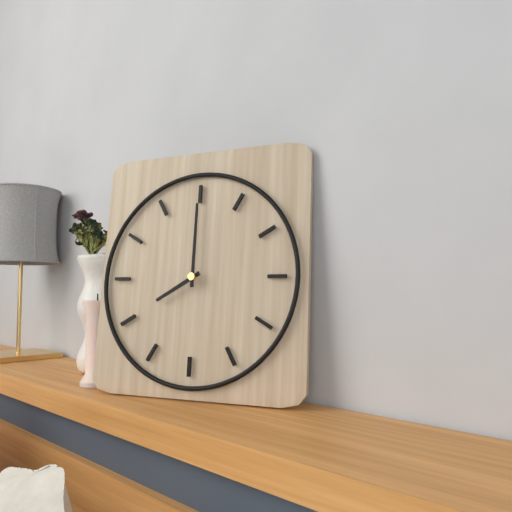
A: 8 h 00 min
